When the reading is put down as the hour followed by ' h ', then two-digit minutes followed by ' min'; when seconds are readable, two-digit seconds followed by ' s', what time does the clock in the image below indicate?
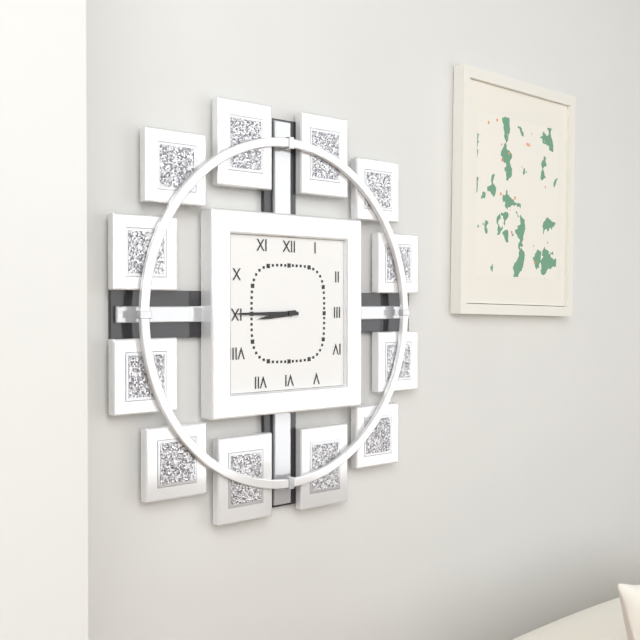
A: 8 h 45 min
